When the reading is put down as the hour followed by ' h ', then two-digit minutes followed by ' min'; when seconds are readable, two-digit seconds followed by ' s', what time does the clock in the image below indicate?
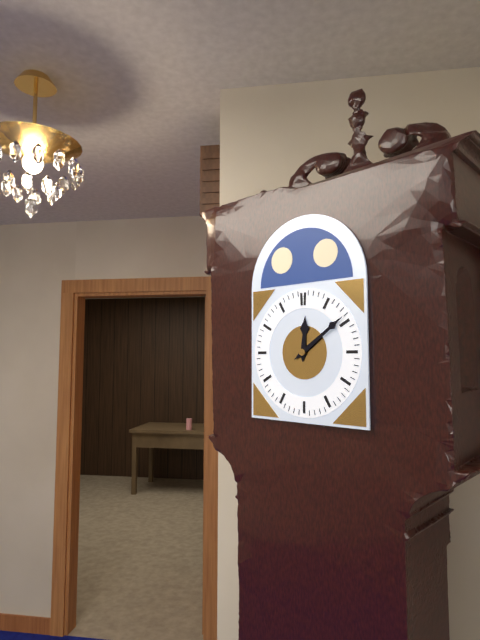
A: 12 h 09 min
